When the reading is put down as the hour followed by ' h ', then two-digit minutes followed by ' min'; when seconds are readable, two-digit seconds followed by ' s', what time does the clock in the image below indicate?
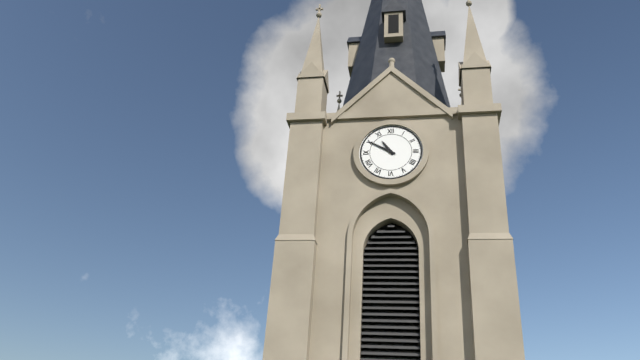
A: 10 h 50 min
